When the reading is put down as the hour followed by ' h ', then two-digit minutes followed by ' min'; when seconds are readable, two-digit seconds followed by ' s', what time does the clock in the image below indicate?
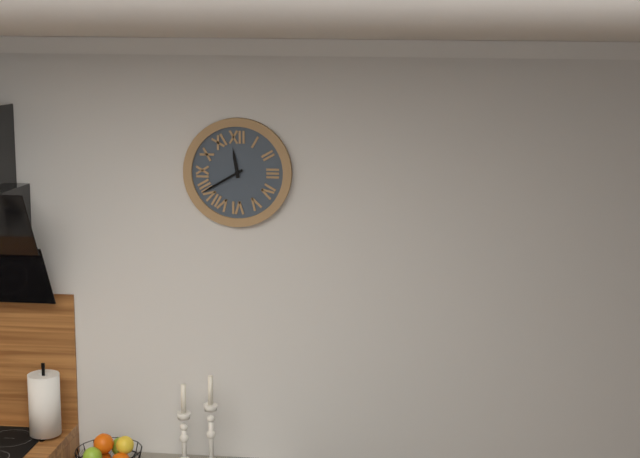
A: 11 h 40 min
